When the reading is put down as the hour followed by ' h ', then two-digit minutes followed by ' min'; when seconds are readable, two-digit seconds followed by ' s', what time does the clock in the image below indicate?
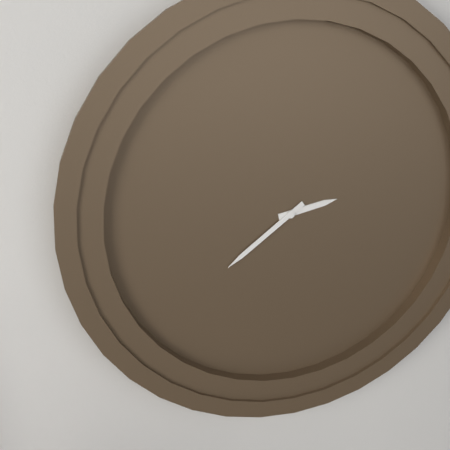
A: 2 h 39 min
